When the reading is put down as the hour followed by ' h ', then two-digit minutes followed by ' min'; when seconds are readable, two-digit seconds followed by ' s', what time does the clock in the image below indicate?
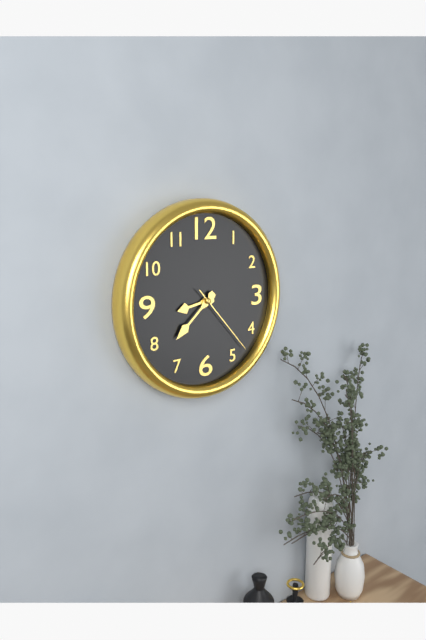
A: 8 h 38 min 23 s
